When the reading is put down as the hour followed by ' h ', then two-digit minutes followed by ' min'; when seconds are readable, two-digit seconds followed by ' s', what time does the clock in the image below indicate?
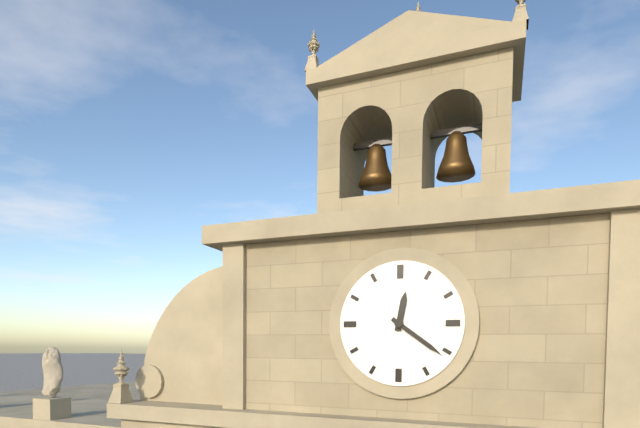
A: 12 h 21 min
